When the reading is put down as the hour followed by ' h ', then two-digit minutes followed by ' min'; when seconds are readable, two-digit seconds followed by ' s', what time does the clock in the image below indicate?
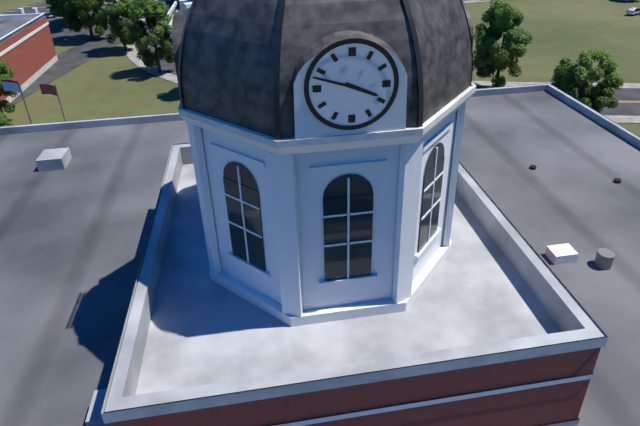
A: 3 h 48 min
